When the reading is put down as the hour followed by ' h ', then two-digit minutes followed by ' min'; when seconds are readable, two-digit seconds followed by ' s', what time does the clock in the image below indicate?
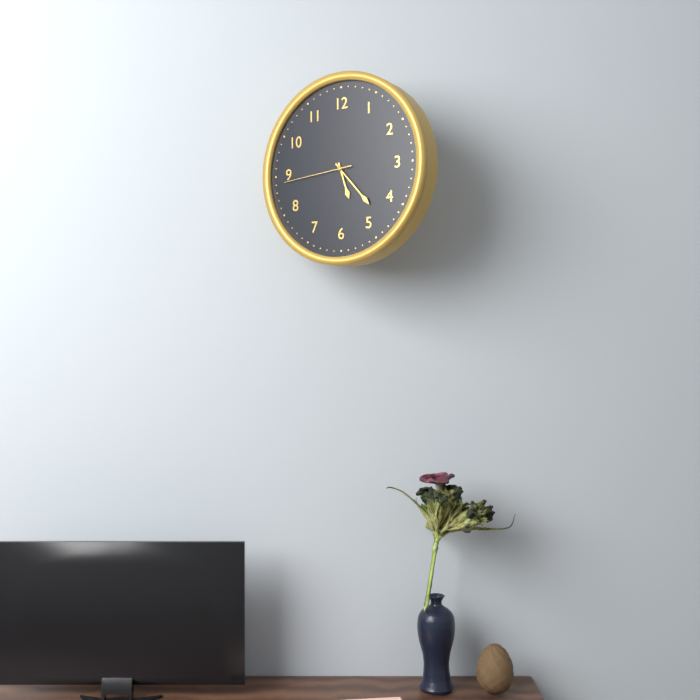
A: 5 h 23 min 44 s
